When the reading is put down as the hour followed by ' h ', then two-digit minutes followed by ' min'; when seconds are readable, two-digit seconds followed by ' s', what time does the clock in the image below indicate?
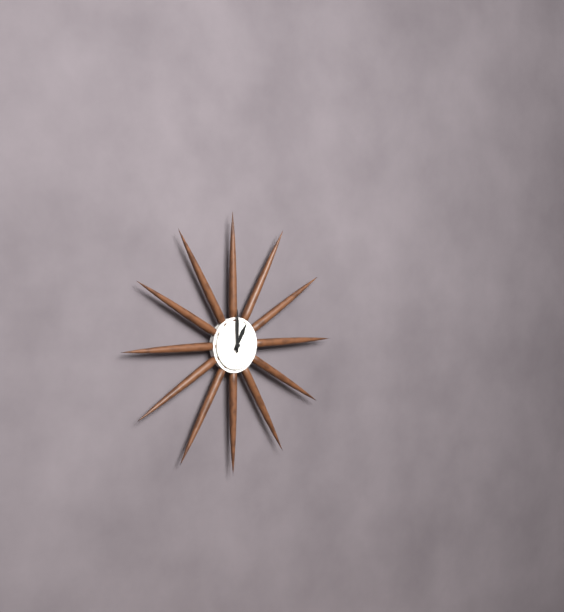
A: 1 h 00 min
